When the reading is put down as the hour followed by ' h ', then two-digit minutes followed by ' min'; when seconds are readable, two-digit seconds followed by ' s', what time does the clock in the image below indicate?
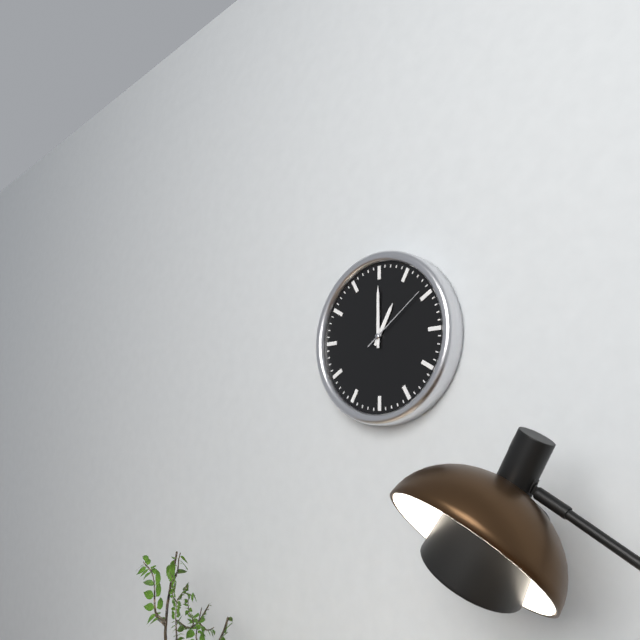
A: 1 h 00 min 09 s
